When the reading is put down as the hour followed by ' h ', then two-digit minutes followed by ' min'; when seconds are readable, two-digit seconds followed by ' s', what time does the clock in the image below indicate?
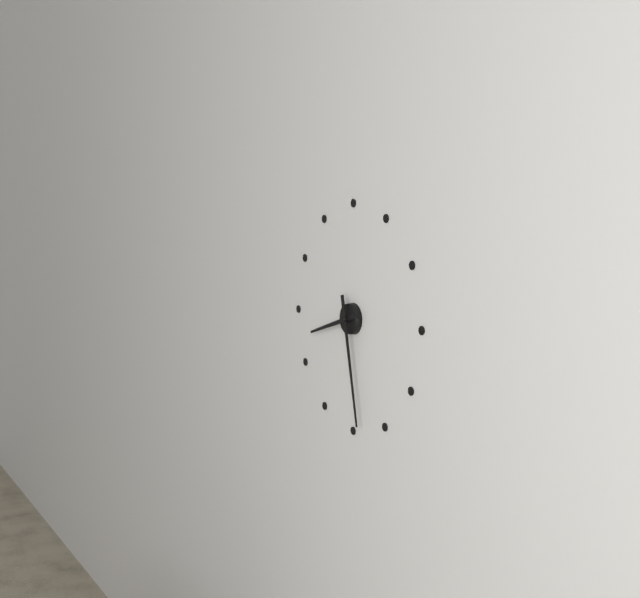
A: 8 h 28 min
